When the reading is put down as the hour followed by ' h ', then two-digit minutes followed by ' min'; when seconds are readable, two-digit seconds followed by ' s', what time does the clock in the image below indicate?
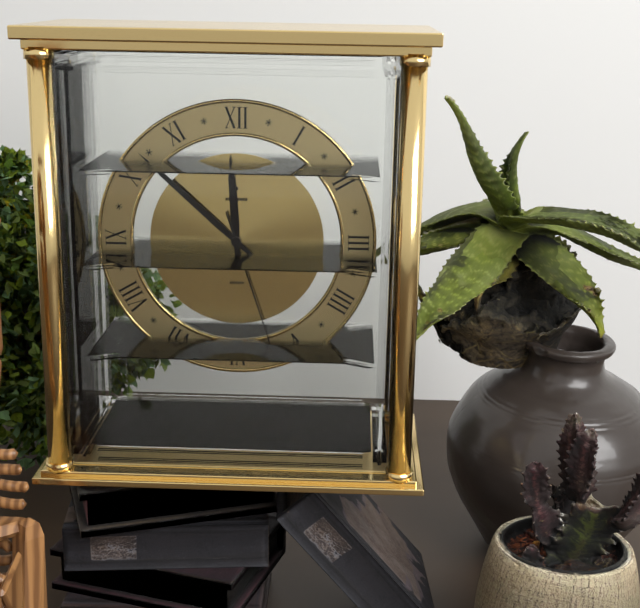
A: 11 h 52 min 27 s
